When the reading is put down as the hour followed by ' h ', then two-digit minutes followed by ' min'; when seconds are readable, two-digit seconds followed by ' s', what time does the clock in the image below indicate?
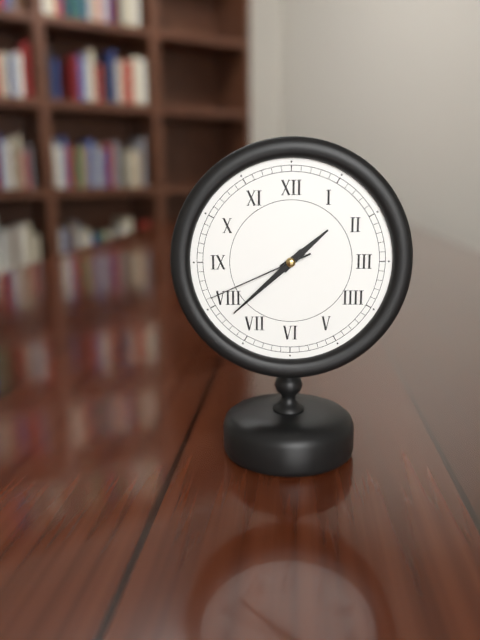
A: 1 h 38 min 41 s
